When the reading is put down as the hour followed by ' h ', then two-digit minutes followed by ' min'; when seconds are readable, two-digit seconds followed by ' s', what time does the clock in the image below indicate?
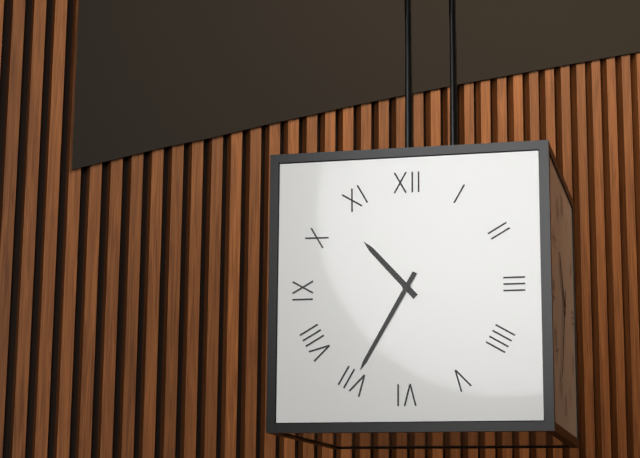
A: 10 h 35 min
